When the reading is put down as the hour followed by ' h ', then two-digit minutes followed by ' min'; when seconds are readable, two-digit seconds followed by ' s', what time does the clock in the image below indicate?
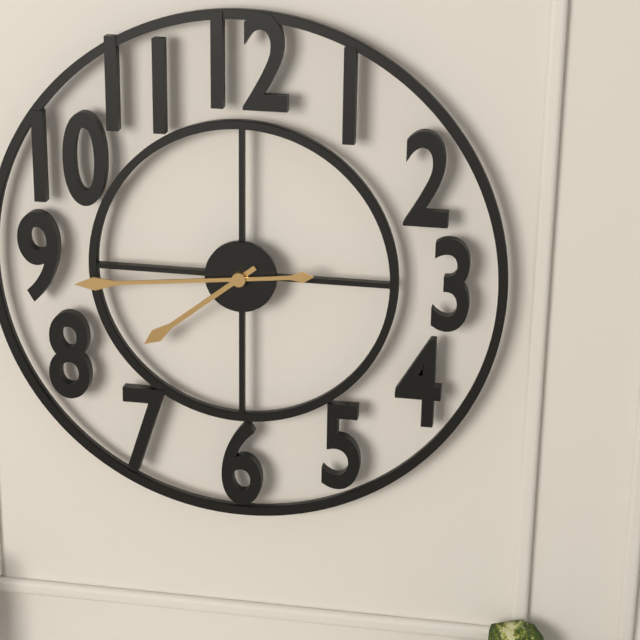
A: 7 h 44 min
